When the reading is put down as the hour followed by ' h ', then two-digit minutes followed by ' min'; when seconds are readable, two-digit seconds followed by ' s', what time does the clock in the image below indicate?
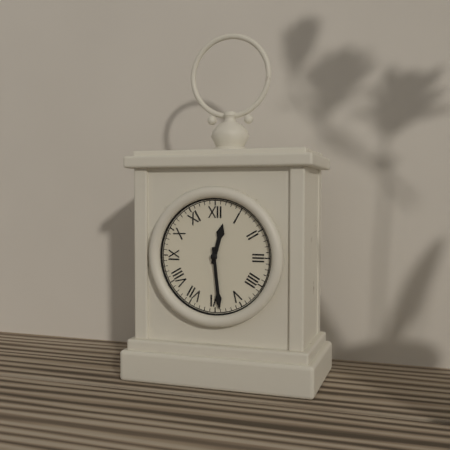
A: 12 h 29 min
